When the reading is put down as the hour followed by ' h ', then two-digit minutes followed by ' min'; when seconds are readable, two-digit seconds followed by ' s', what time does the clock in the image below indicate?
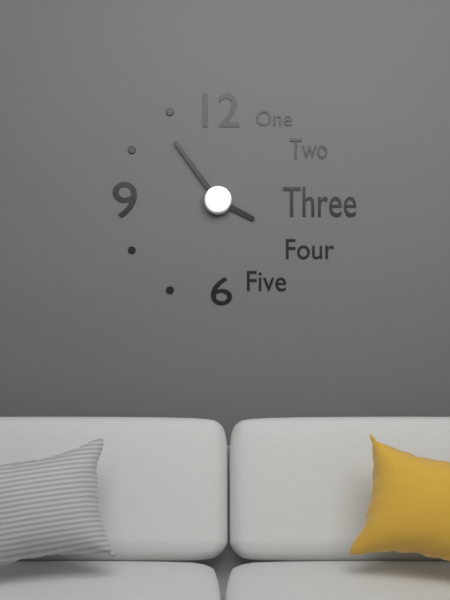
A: 3 h 54 min
